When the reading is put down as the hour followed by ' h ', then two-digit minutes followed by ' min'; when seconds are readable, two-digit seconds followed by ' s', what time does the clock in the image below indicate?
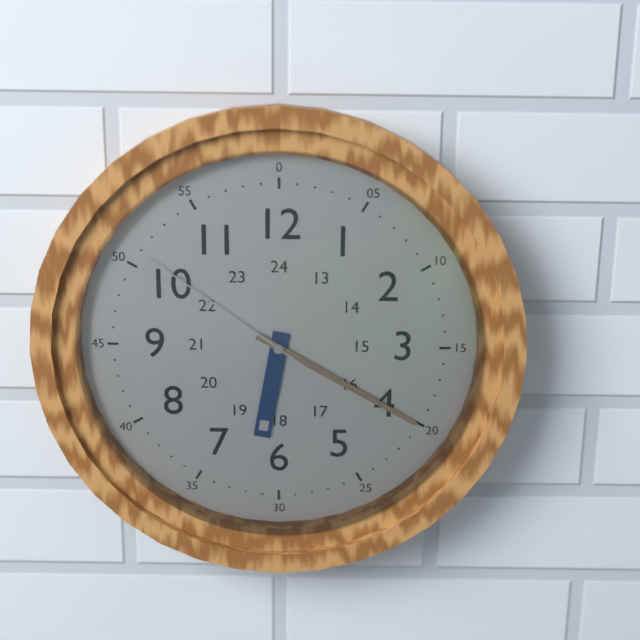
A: 6 h 20 min 51 s
